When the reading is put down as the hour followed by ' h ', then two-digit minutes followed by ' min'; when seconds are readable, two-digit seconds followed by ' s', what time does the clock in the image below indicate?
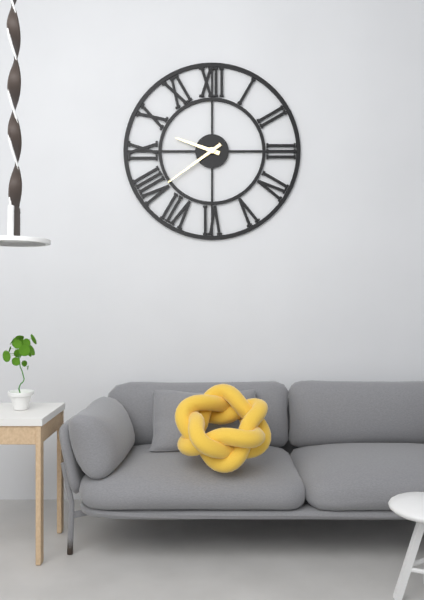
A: 9 h 39 min
